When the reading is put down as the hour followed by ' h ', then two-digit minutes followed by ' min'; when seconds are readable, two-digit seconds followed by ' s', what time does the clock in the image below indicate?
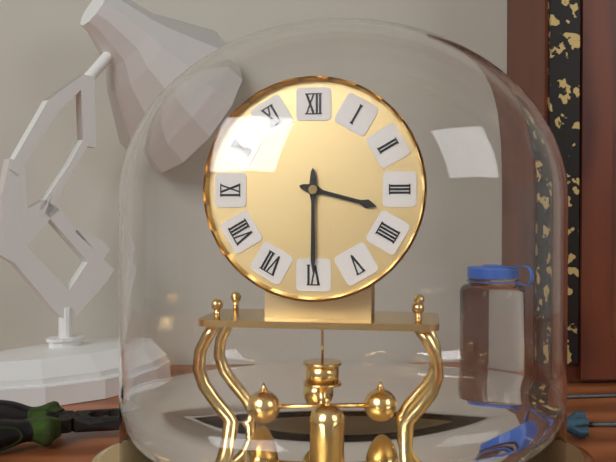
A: 3 h 30 min
